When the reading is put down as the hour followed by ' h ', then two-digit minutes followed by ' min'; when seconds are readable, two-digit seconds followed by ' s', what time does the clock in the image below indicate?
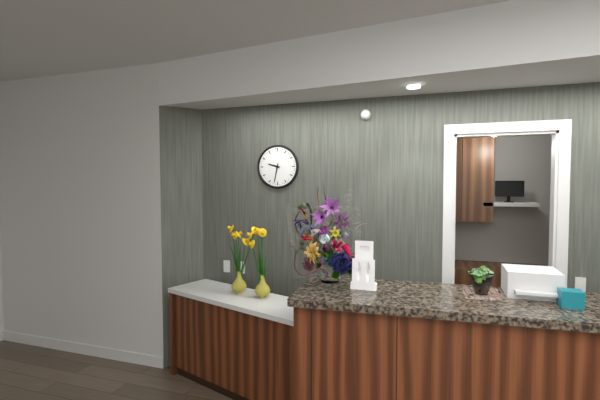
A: 9 h 32 min
